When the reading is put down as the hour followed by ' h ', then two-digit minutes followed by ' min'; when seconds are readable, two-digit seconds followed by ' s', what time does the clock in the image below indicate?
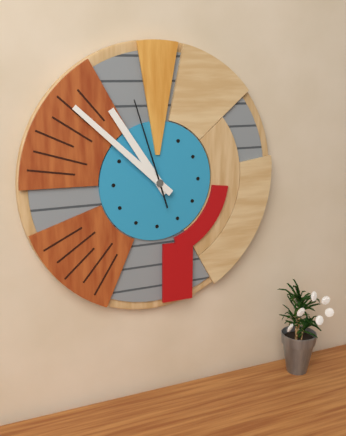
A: 10 h 52 min 57 s
